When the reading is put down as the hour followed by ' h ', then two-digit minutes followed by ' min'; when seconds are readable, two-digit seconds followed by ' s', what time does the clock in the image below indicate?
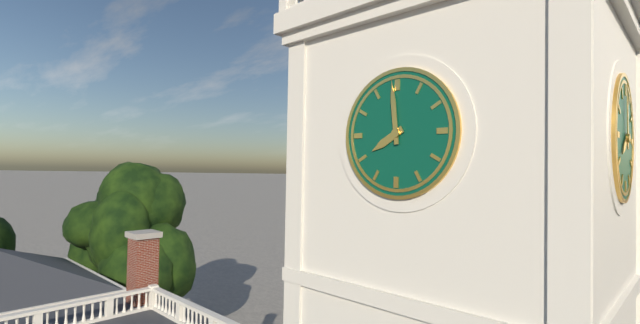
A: 7 h 59 min
